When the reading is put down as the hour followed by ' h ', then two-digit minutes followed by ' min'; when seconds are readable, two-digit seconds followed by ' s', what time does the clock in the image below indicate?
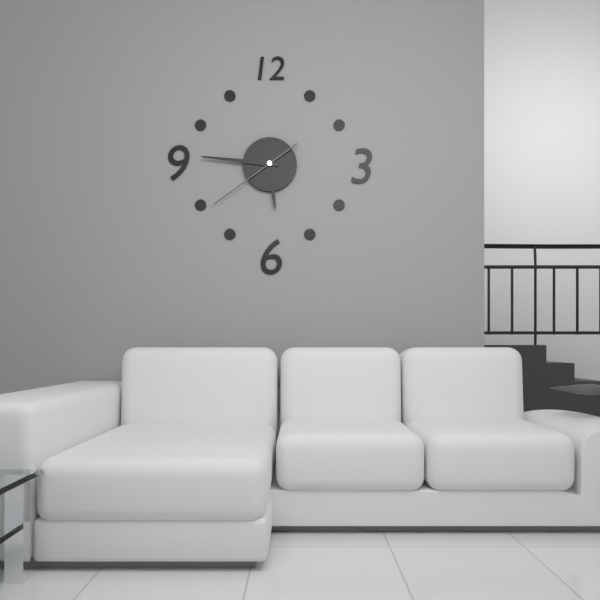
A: 5 h 46 min 39 s
